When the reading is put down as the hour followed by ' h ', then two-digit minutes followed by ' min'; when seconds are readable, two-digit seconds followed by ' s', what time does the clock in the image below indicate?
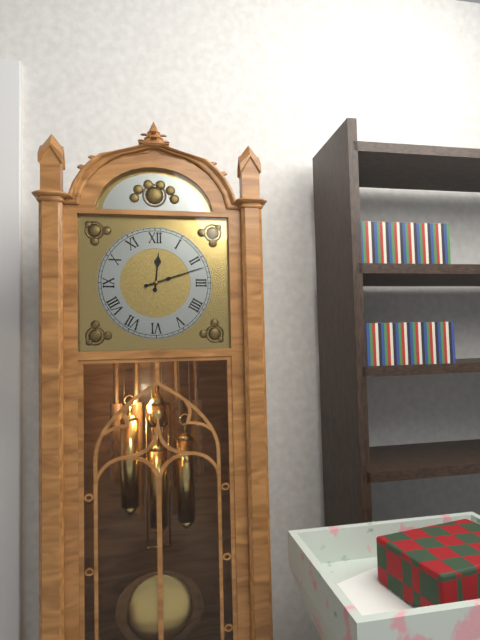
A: 12 h 12 min
